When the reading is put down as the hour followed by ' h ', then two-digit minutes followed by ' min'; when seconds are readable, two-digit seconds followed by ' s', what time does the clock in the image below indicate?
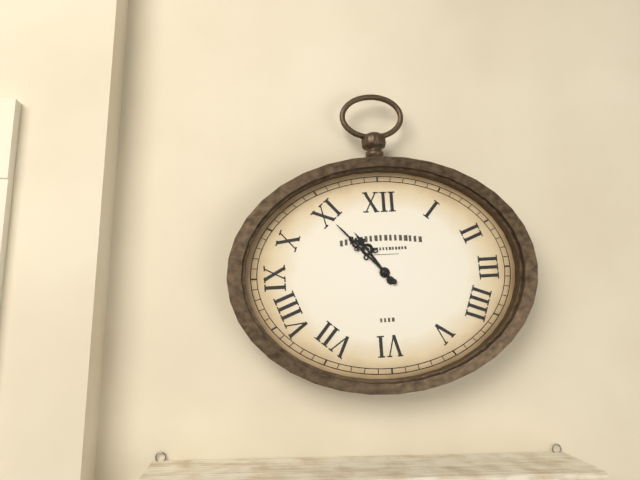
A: 10 h 53 min
